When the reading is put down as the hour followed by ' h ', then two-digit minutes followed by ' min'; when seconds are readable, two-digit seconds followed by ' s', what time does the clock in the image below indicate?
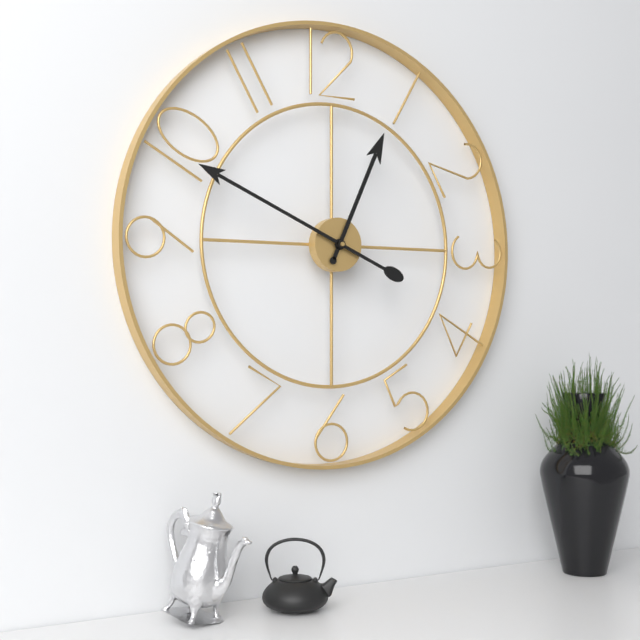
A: 12 h 49 min
